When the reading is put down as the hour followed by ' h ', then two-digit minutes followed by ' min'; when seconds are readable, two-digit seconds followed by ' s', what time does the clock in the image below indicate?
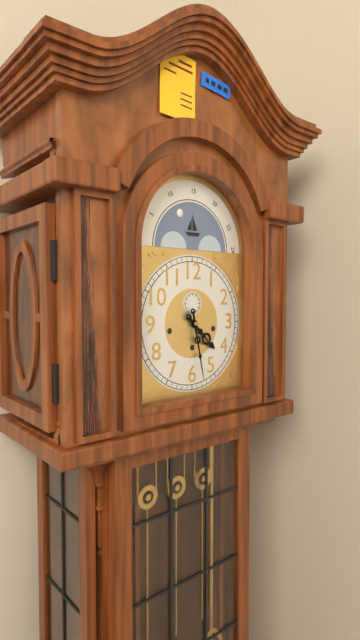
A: 4 h 28 min
